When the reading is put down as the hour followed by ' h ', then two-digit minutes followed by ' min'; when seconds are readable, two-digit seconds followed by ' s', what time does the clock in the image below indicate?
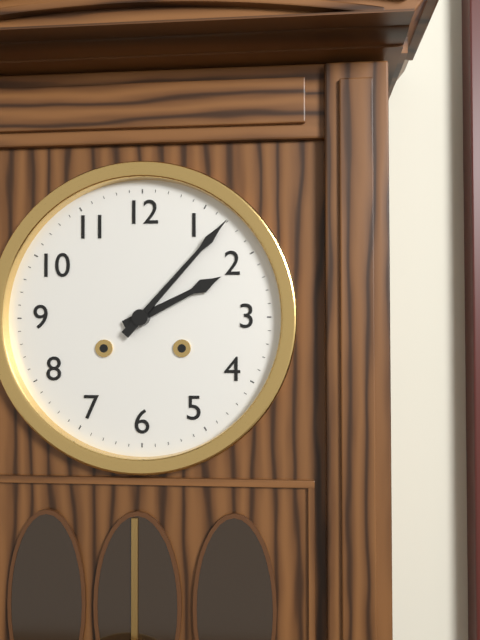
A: 2 h 07 min
